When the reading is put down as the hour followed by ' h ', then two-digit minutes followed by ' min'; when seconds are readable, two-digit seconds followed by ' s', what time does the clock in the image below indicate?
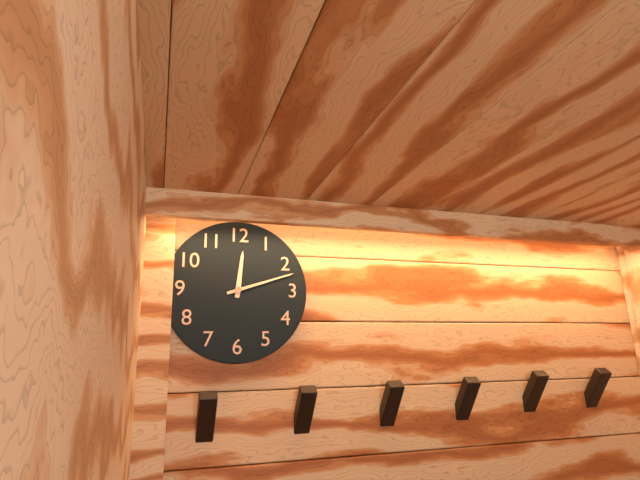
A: 12 h 12 min
